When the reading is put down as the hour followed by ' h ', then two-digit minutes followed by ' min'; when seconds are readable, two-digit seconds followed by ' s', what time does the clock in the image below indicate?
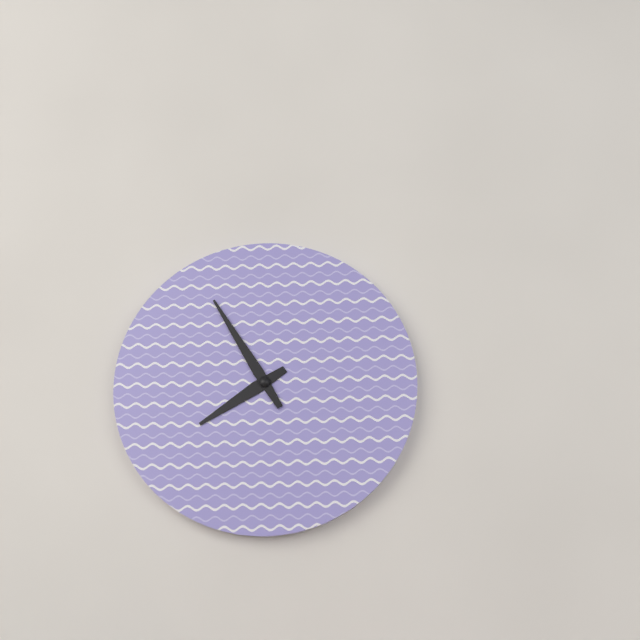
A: 7 h 55 min
